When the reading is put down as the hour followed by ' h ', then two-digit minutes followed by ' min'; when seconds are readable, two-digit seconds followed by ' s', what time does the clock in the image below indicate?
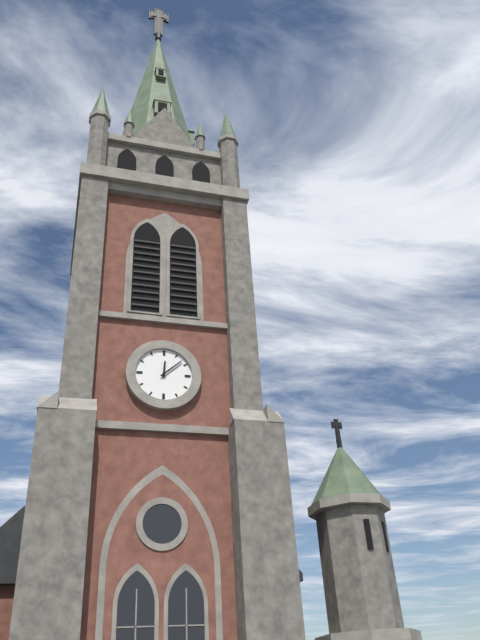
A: 12 h 08 min
